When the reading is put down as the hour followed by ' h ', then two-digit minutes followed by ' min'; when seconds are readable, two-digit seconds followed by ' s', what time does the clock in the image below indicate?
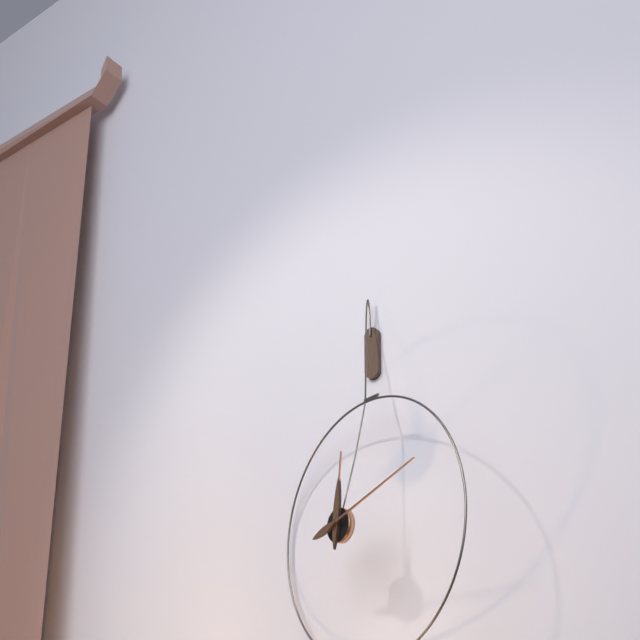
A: 12 h 12 min
